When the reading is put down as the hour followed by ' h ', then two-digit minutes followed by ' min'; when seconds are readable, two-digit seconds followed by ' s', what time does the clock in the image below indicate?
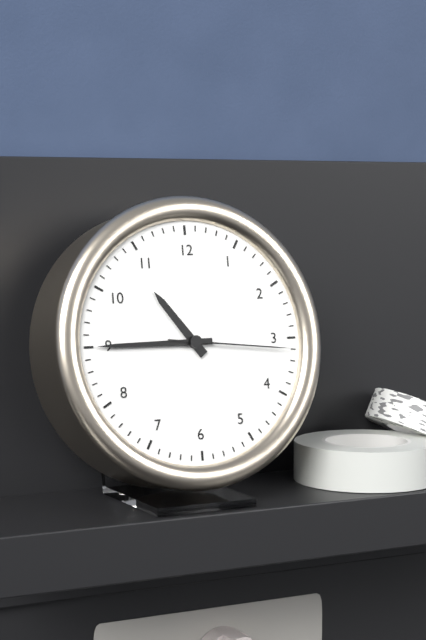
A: 10 h 45 min 16 s
